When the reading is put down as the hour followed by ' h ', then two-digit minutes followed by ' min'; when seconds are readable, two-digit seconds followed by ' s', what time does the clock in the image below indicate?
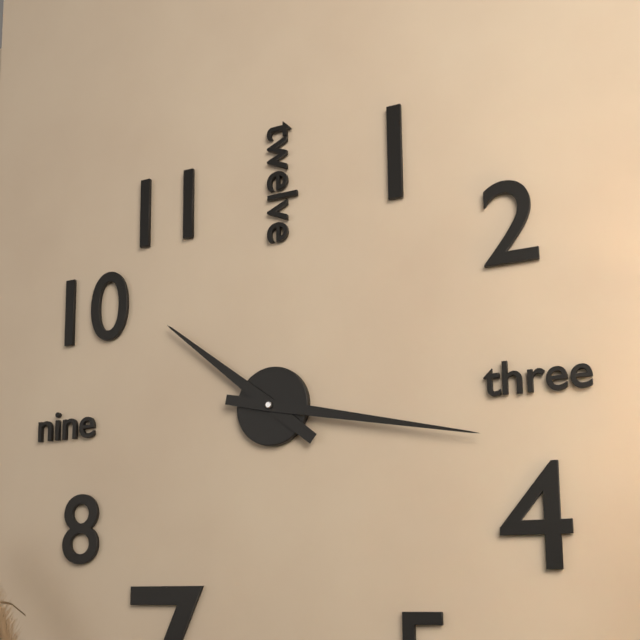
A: 10 h 17 min
